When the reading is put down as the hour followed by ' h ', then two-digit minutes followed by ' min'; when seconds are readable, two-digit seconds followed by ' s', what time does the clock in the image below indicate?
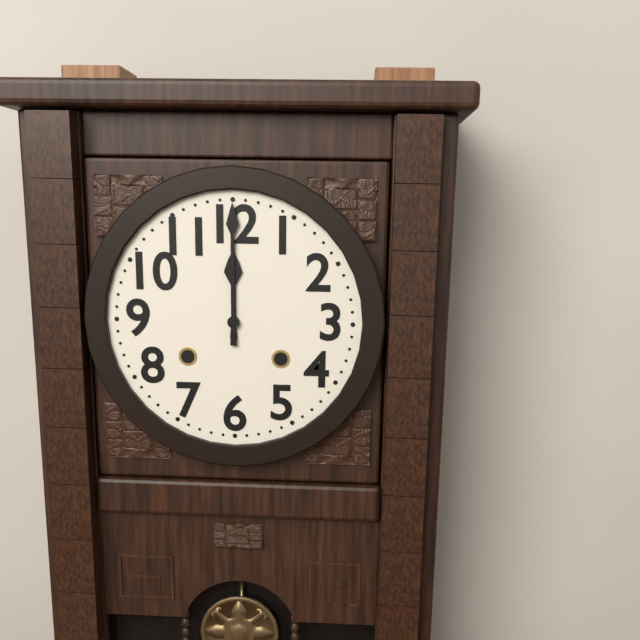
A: 12 h 00 min
